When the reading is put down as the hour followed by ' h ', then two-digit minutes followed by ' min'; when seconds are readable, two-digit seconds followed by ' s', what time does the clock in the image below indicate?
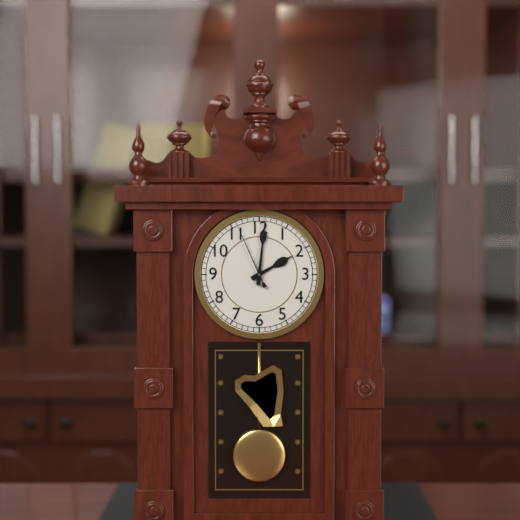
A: 2 h 01 min 56 s
